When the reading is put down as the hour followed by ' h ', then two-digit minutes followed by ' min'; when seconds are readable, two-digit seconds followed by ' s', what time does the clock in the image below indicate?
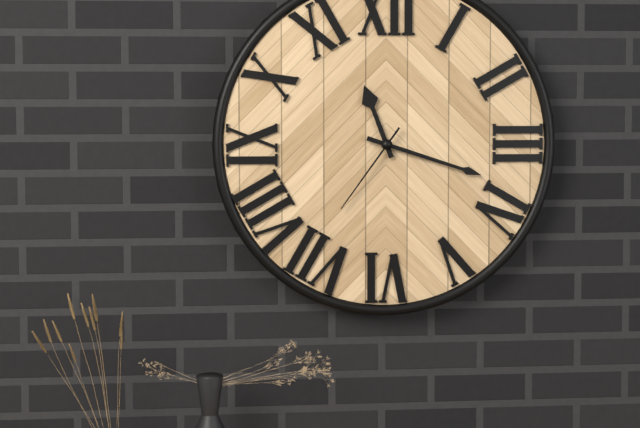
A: 11 h 18 min 36 s
